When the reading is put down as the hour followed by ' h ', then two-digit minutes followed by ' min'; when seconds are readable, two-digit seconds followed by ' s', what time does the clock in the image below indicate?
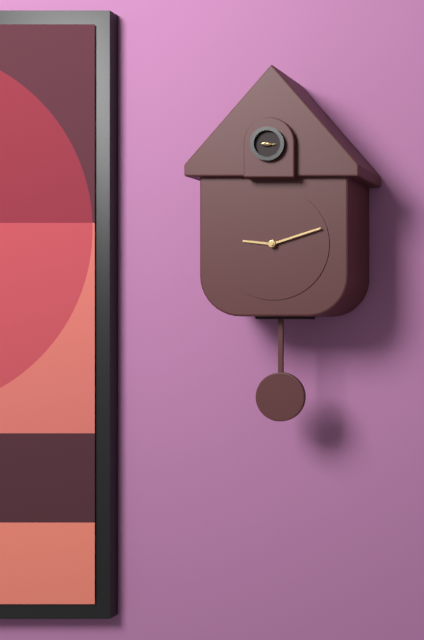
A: 9 h 12 min
